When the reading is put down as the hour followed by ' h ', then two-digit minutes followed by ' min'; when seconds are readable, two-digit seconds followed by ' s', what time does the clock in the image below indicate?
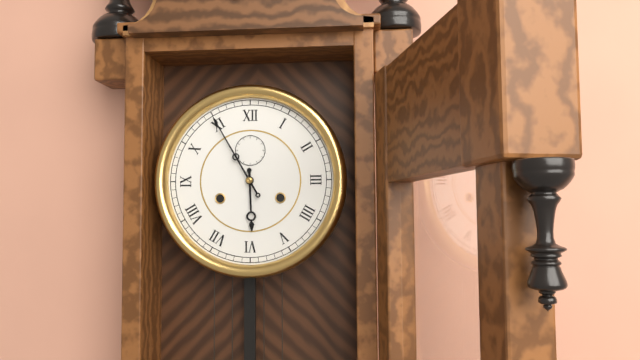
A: 5 h 55 min
